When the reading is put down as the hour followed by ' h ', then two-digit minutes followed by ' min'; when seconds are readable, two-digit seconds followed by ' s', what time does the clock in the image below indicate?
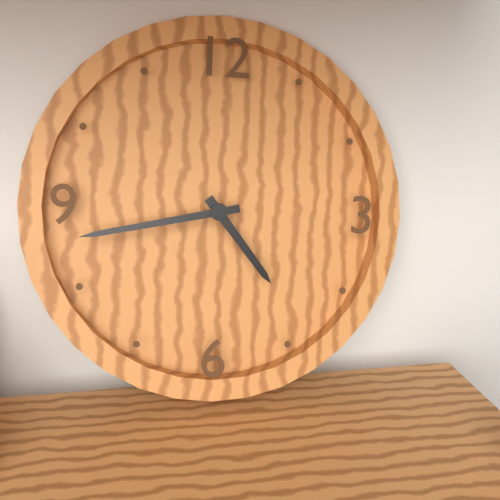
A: 4 h 43 min
